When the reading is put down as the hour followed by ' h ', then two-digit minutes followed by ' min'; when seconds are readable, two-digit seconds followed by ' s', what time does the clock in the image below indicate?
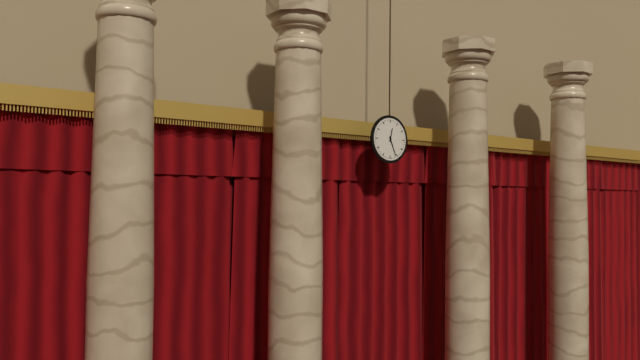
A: 12 h 26 min
